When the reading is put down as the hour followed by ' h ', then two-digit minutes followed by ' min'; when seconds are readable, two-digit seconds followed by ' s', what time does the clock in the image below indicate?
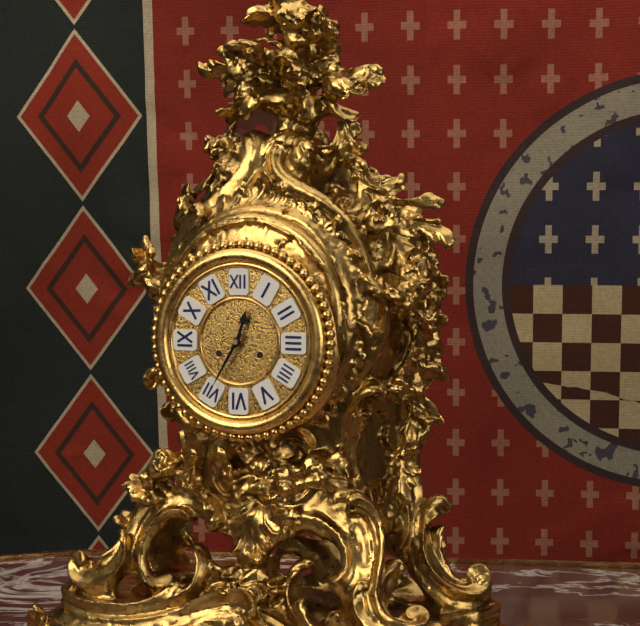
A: 12 h 35 min
